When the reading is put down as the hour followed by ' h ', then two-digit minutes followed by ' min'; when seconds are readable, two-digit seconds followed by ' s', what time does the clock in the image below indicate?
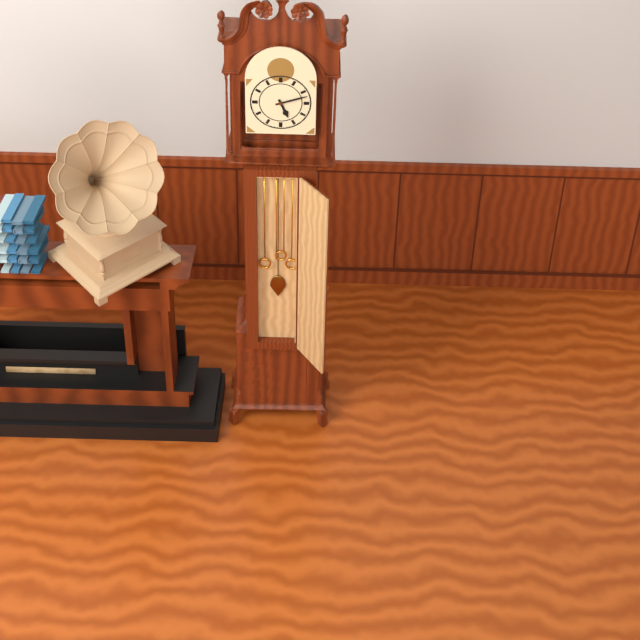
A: 5 h 12 min
